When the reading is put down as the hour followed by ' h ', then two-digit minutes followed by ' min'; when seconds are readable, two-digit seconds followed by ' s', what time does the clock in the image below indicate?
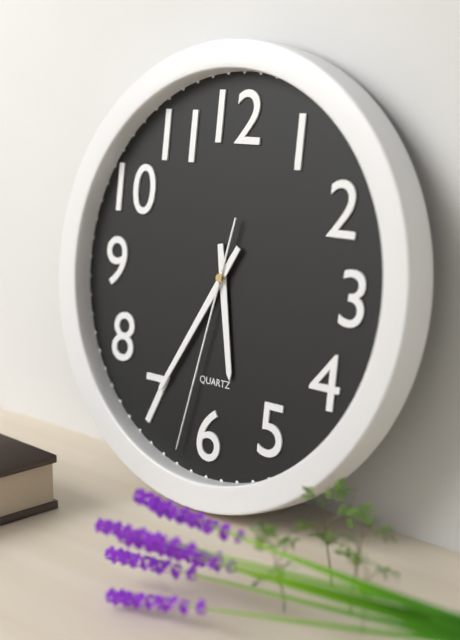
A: 5 h 35 min 32 s
